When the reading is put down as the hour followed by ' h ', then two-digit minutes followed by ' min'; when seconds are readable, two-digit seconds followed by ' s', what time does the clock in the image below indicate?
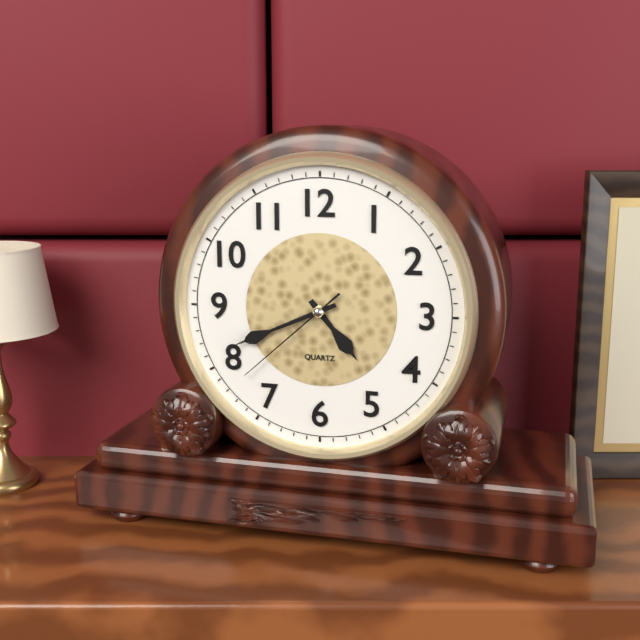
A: 4 h 41 min 38 s
